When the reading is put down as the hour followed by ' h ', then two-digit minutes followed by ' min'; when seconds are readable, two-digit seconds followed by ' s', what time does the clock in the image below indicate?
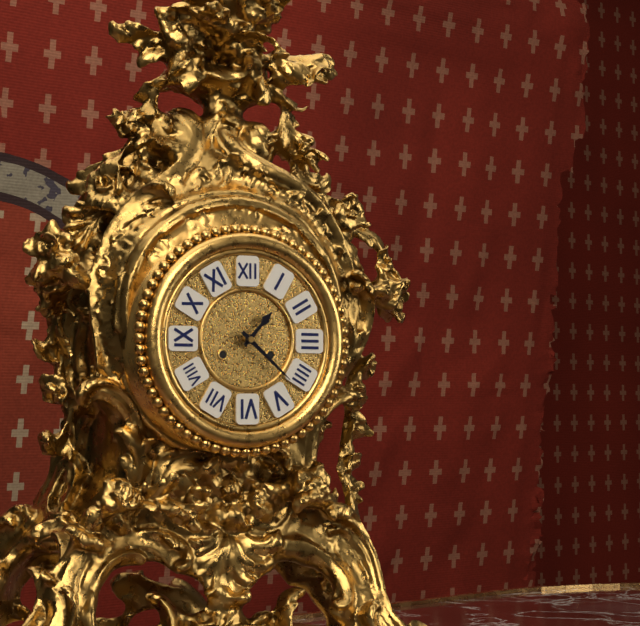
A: 1 h 22 min
